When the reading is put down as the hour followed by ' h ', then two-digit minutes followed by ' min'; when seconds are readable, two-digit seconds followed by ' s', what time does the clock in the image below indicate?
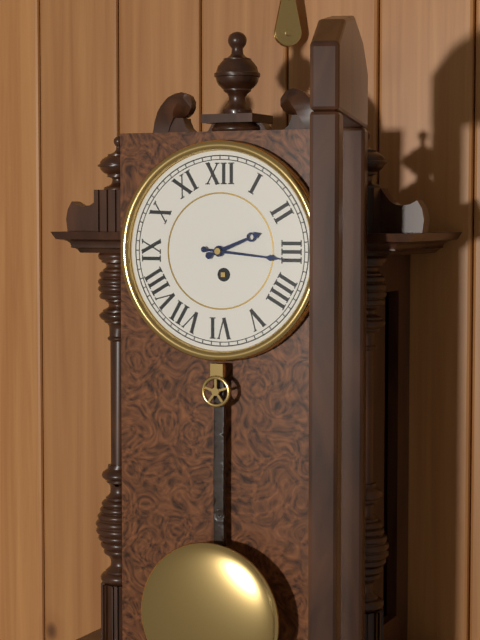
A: 2 h 16 min
